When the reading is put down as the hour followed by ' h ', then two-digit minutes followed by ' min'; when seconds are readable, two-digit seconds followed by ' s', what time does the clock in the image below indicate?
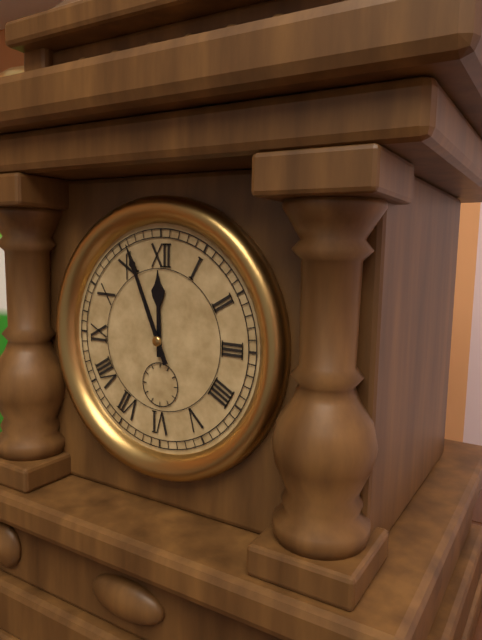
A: 11 h 56 min
